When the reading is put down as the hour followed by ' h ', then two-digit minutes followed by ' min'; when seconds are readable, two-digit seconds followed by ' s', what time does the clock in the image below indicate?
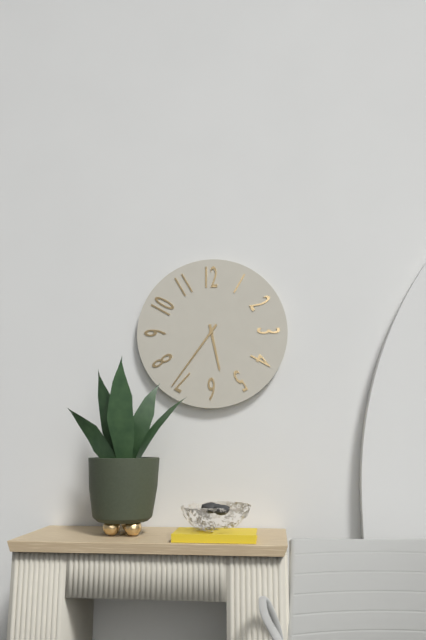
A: 5 h 36 min
